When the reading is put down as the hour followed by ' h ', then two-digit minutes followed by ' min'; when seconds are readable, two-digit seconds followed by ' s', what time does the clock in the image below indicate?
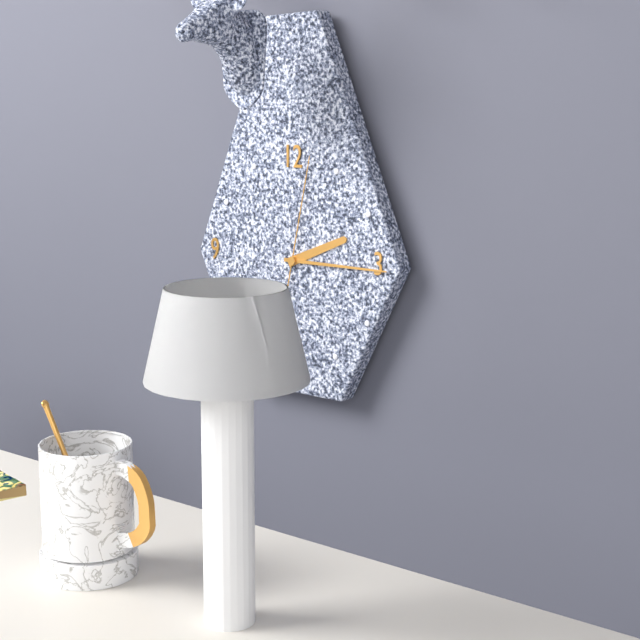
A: 2 h 15 min 02 s
